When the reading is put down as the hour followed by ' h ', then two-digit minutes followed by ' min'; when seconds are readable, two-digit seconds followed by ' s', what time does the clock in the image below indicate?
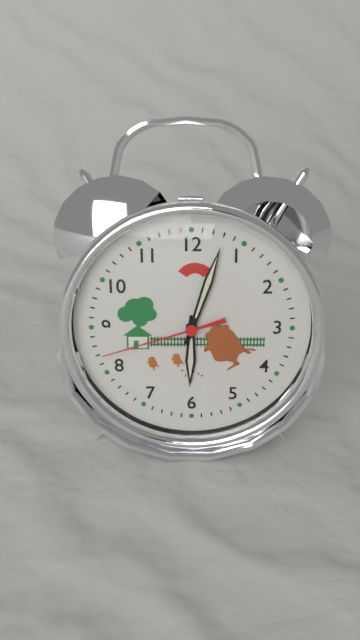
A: 6 h 03 min 42 s
